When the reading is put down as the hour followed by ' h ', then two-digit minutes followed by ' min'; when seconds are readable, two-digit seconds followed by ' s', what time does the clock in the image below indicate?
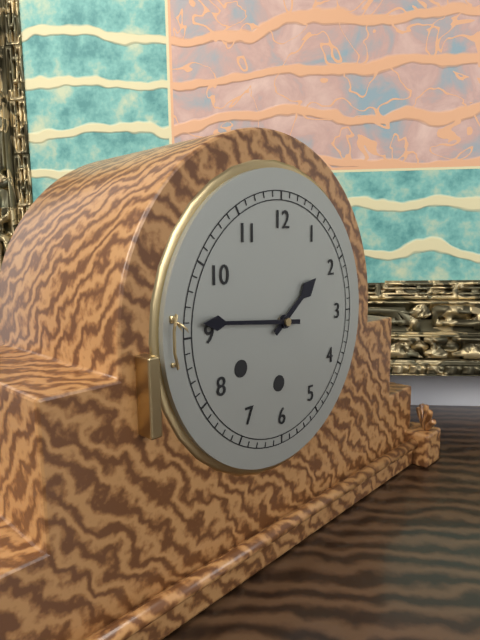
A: 1 h 46 min
